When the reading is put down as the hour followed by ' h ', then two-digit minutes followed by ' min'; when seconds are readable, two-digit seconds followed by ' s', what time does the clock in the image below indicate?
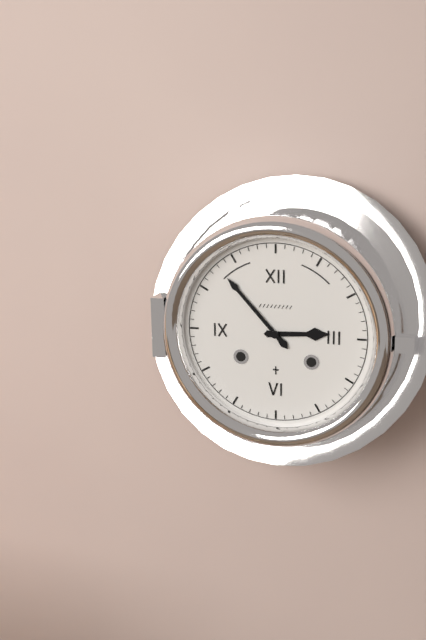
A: 2 h 53 min
